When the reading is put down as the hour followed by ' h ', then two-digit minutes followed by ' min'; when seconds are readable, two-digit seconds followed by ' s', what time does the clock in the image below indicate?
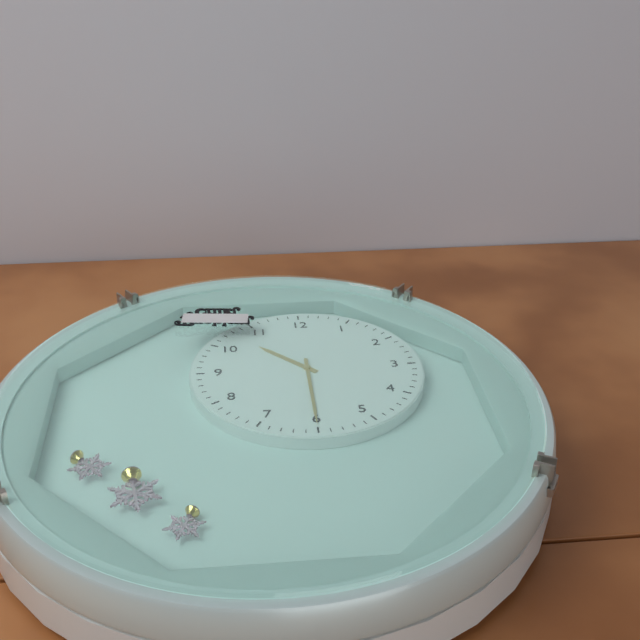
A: 10 h 30 min
